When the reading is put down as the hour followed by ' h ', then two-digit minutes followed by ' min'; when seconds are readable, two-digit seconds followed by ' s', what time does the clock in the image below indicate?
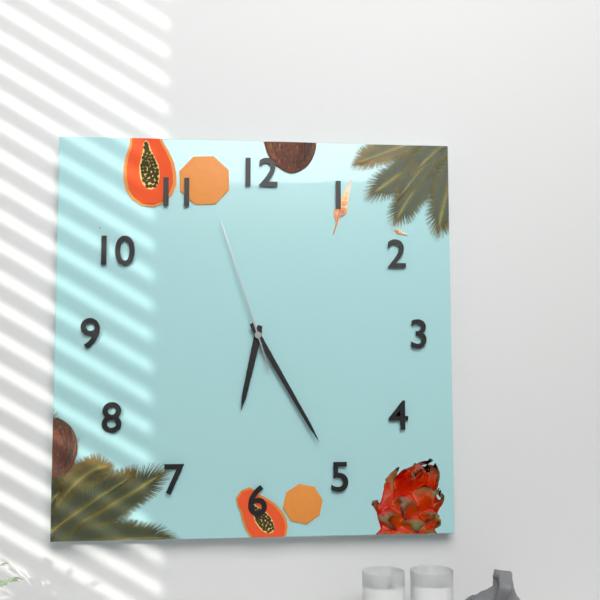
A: 6 h 25 min 57 s
